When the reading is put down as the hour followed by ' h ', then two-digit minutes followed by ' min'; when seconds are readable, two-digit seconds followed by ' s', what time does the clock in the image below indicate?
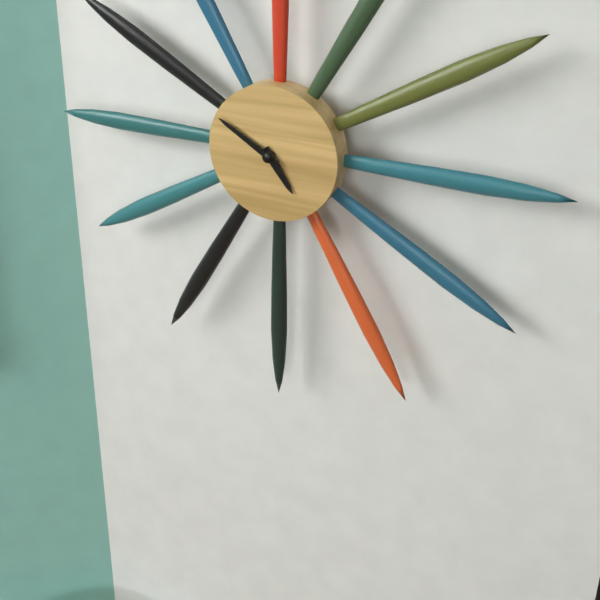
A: 4 h 50 min
